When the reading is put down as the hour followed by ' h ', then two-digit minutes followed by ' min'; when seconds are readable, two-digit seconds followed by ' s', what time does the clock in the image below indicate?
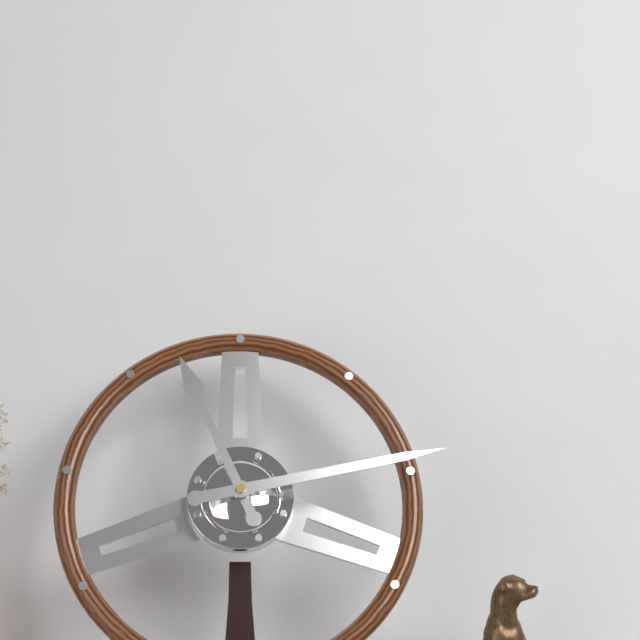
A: 11 h 13 min
